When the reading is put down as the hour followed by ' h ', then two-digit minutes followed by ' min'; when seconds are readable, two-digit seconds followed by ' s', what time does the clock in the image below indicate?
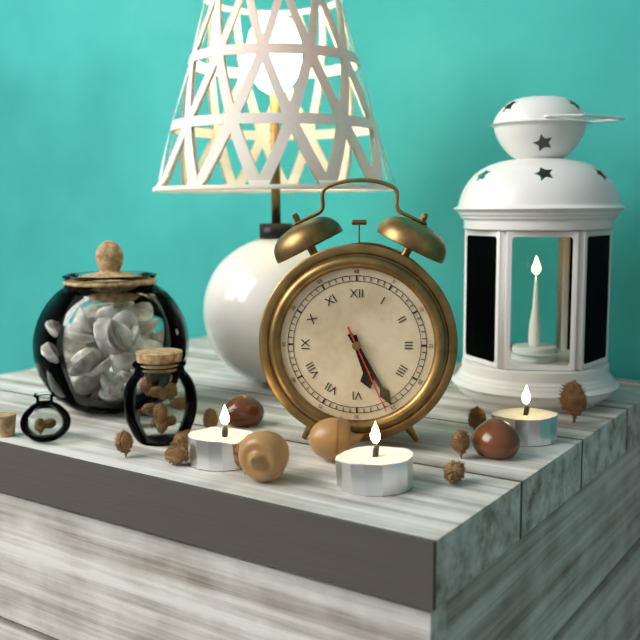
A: 5 h 25 min 26 s
